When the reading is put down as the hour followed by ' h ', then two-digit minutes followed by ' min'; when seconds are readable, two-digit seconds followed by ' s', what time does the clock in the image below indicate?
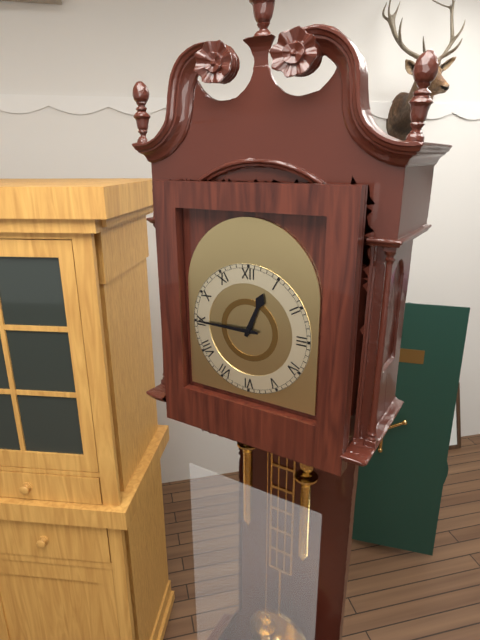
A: 12 h 45 min
